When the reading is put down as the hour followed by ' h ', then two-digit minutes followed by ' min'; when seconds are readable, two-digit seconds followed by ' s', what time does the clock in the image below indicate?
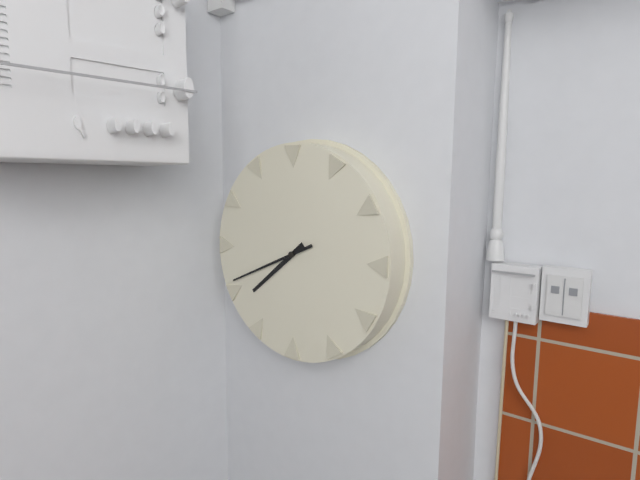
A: 7 h 41 min
